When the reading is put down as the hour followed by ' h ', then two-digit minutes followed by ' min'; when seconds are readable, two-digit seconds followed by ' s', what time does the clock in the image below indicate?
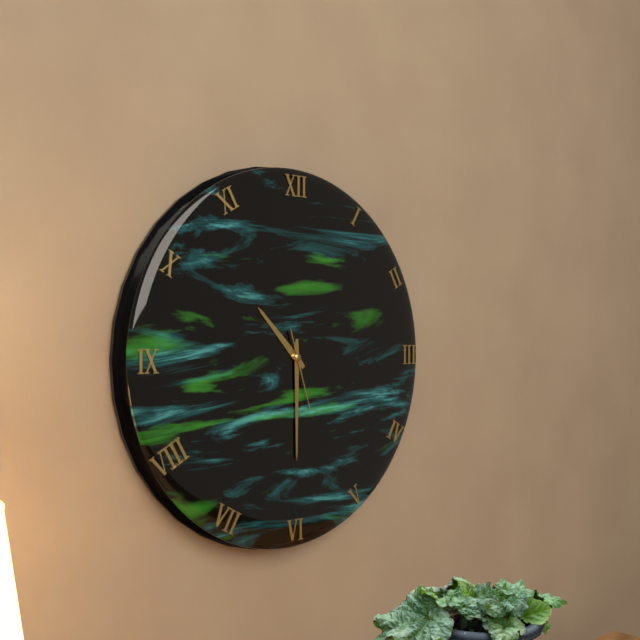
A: 10 h 30 min 27 s
